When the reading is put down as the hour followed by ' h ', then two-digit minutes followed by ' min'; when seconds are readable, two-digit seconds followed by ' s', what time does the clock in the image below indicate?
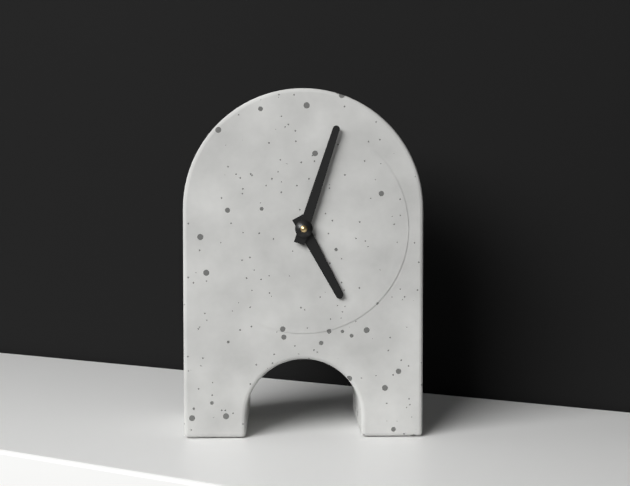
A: 5 h 03 min
